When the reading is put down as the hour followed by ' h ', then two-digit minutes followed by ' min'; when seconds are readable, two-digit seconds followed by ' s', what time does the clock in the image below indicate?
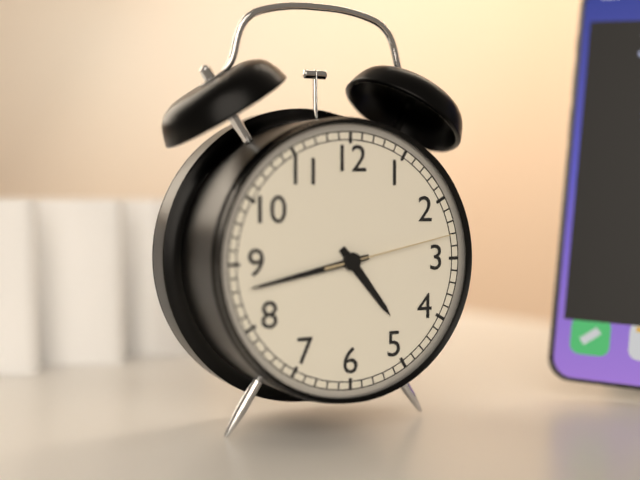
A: 4 h 43 min 13 s
